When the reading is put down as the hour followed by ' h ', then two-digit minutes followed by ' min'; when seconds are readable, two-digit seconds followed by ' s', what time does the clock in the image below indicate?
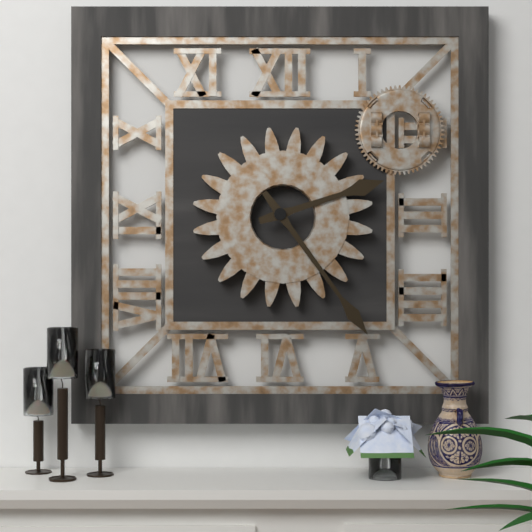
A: 2 h 24 min
